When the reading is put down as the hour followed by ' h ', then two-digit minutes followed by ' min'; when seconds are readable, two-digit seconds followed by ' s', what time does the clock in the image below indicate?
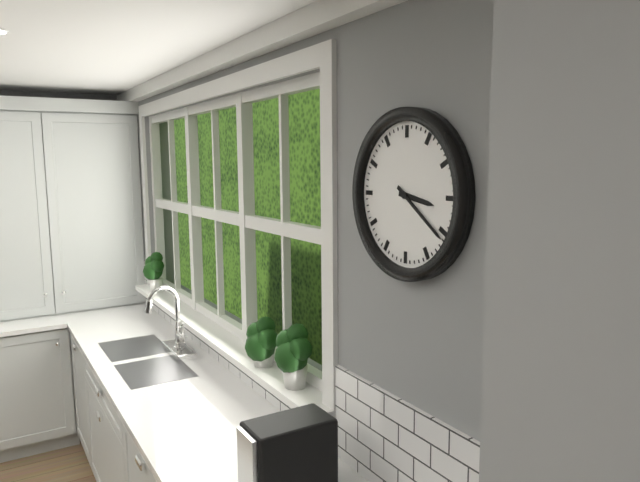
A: 3 h 21 min
